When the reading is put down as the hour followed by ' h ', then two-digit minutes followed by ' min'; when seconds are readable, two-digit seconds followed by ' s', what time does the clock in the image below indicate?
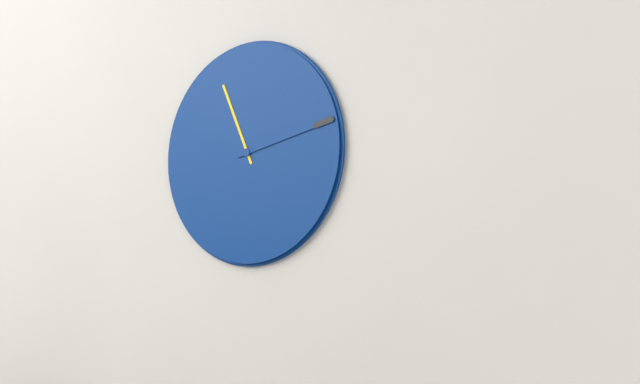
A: 11 h 13 min
